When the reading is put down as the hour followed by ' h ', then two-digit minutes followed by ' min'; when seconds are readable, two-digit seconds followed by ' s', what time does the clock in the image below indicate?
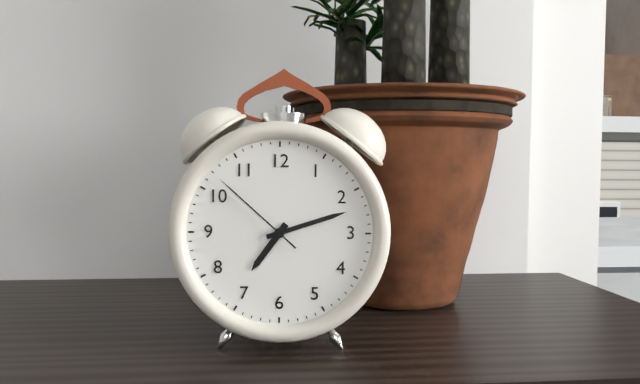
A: 7 h 12 min 52 s
